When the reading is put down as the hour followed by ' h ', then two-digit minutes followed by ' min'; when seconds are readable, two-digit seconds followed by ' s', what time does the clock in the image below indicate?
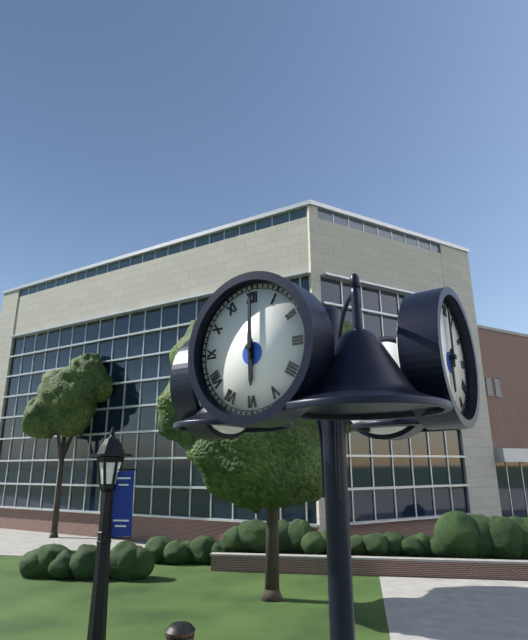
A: 6 h 00 min
